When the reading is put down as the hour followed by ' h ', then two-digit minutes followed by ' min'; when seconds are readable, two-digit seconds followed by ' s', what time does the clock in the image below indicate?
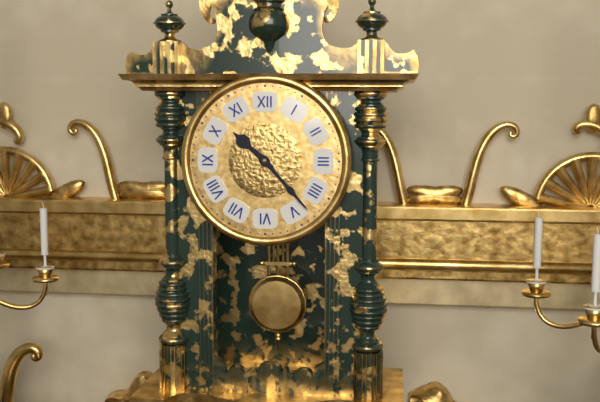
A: 10 h 23 min
